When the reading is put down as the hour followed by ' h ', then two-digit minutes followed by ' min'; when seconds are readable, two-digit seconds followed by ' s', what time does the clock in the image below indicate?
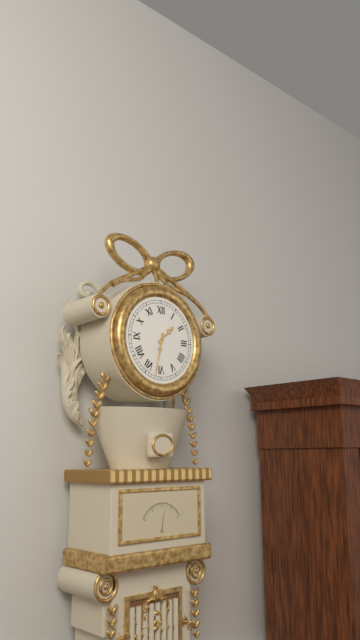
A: 1 h 32 min
